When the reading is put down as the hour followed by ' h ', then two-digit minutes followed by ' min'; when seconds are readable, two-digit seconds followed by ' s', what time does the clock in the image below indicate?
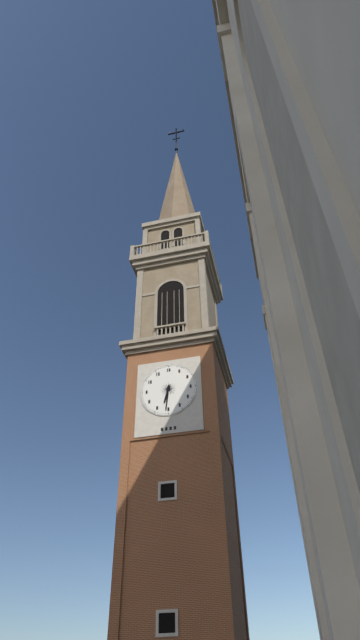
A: 6 h 31 min
